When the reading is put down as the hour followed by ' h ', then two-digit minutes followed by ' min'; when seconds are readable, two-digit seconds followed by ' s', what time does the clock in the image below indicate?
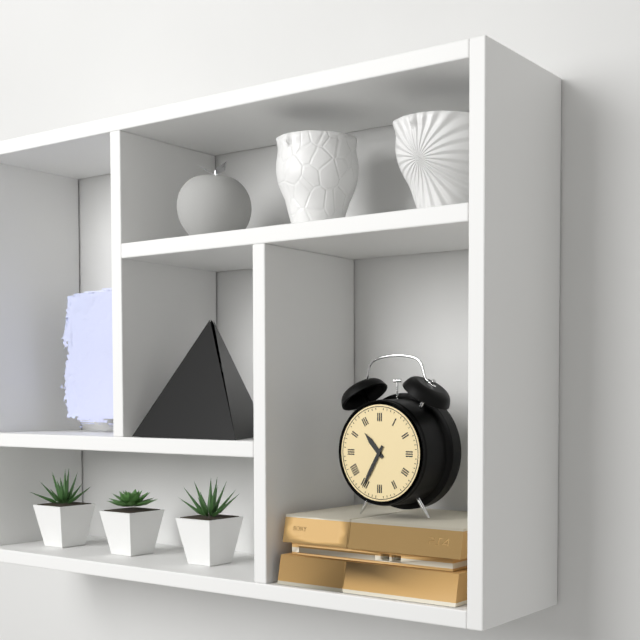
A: 10 h 35 min
